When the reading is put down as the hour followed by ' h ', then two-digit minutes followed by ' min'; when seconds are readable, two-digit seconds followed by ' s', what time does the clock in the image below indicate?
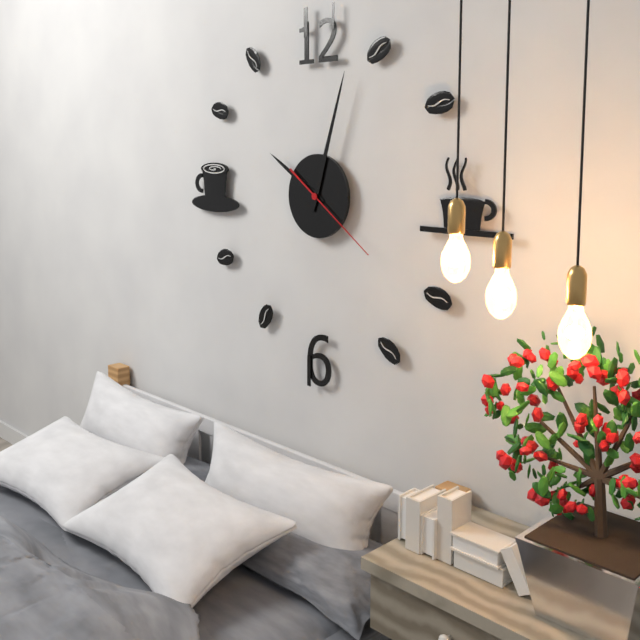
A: 10 h 03 min 21 s
